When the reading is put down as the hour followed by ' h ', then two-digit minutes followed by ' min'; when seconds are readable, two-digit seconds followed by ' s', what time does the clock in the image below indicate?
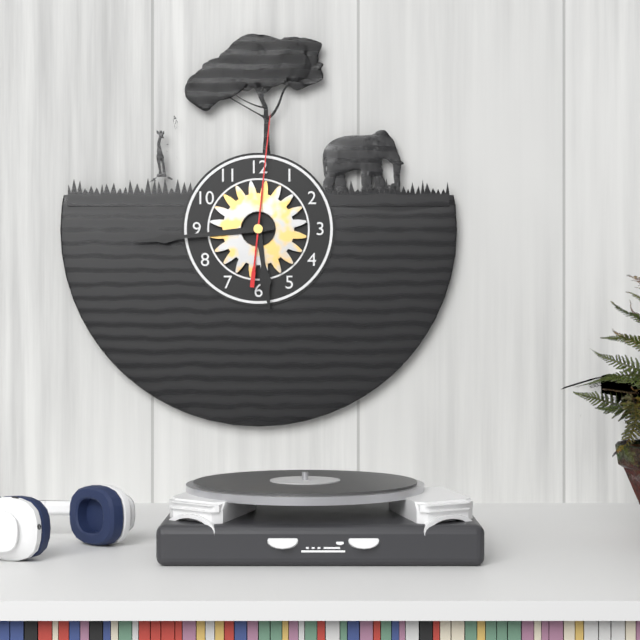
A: 5 h 44 min 01 s
